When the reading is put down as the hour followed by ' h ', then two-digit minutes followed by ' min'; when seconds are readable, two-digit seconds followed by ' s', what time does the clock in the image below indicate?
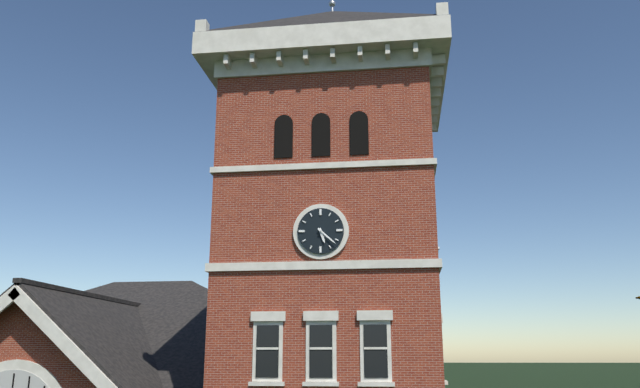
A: 5 h 22 min
